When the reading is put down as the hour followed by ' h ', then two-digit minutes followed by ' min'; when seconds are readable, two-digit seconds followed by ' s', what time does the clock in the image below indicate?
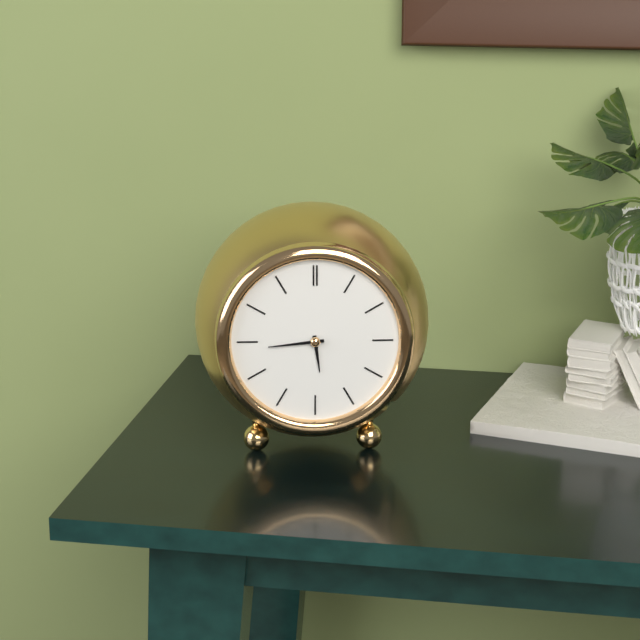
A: 5 h 44 min
